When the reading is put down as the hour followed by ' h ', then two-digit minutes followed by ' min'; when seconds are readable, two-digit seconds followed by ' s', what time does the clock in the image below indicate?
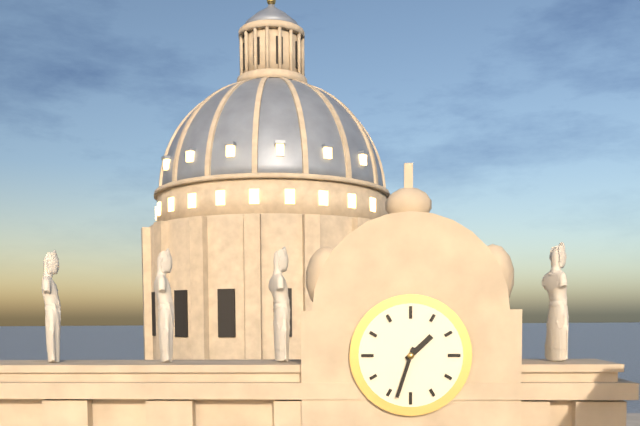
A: 1 h 33 min
